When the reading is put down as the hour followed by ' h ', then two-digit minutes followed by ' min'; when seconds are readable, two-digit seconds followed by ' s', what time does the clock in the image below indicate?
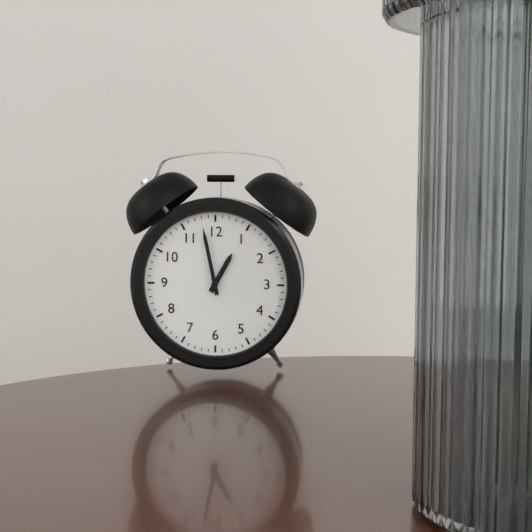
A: 12 h 58 min
